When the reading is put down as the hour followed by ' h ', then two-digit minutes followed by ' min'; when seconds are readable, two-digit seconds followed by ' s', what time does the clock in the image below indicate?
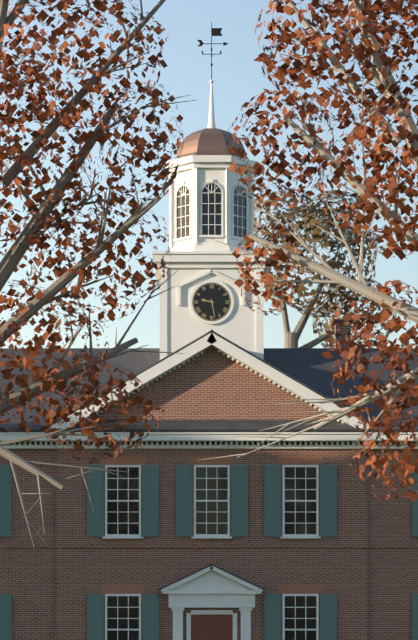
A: 9 h 28 min
